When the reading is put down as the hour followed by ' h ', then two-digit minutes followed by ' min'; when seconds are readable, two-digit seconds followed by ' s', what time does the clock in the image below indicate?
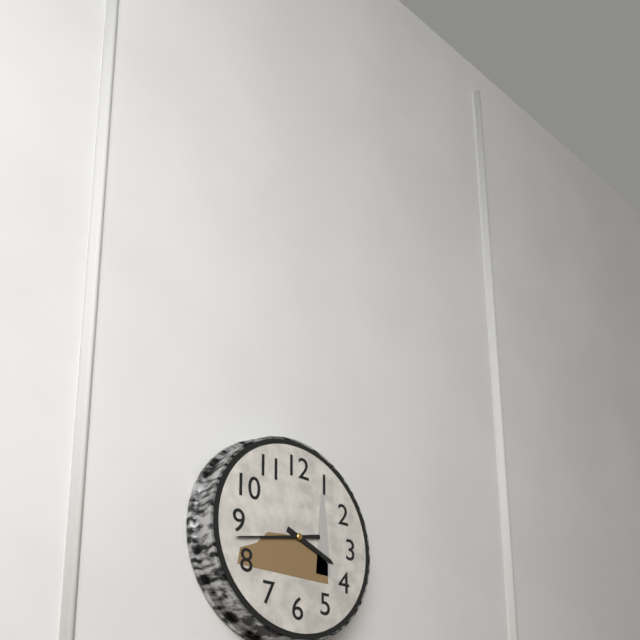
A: 3 h 43 min
